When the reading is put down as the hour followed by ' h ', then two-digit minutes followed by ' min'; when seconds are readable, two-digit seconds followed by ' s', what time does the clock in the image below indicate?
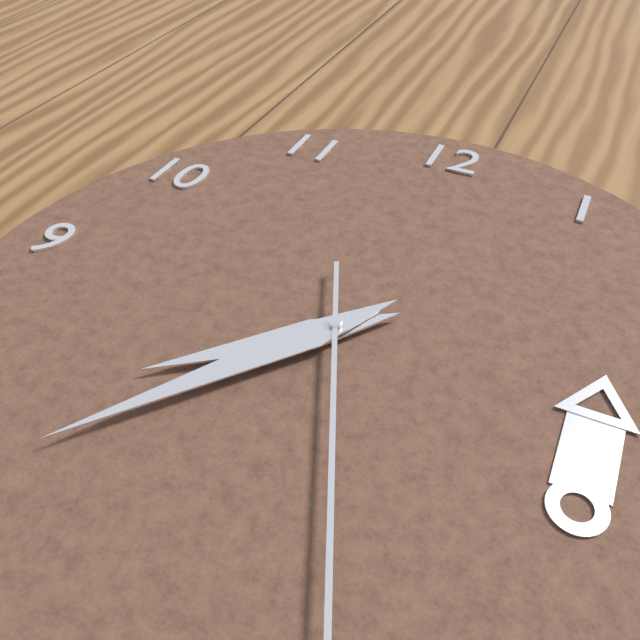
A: 7 h 36 min
